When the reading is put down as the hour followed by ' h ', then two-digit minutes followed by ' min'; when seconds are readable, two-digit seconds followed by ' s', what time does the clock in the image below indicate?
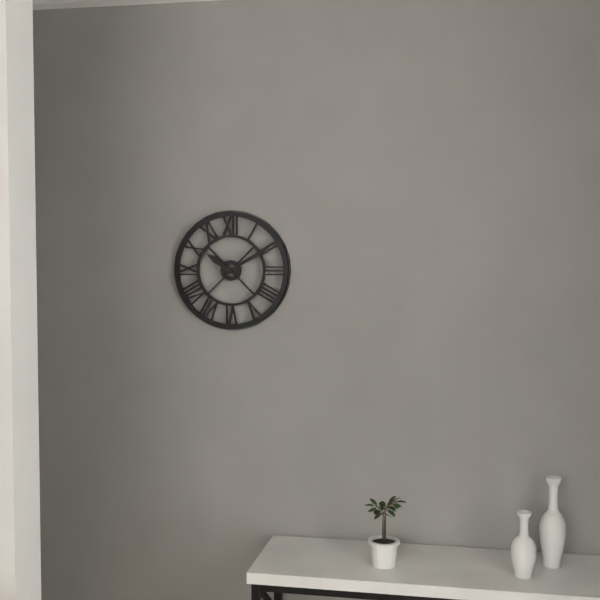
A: 10 h 10 min
